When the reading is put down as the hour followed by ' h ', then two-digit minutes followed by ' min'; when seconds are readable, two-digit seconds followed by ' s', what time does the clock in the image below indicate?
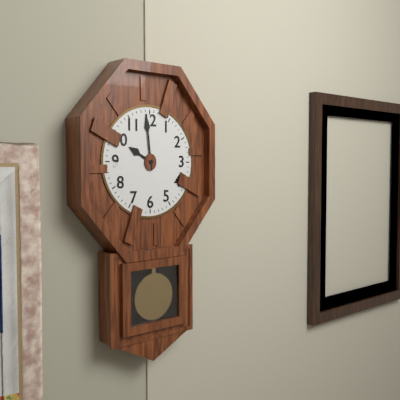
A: 9 h 59 min
